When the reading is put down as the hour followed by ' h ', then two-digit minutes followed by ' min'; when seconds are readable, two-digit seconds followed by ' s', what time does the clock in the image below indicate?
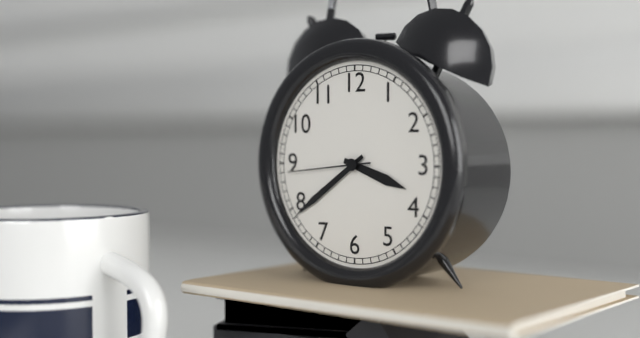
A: 3 h 39 min 44 s
